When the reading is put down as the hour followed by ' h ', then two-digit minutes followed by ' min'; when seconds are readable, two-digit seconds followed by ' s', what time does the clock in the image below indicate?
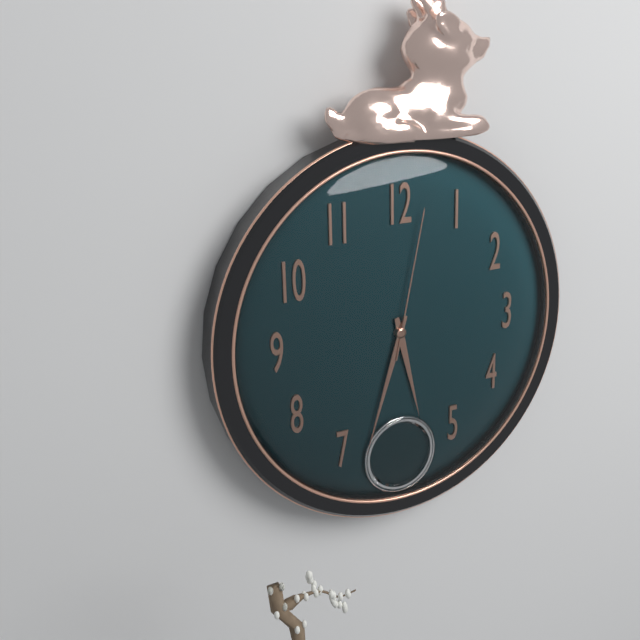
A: 5 h 33 min 02 s
